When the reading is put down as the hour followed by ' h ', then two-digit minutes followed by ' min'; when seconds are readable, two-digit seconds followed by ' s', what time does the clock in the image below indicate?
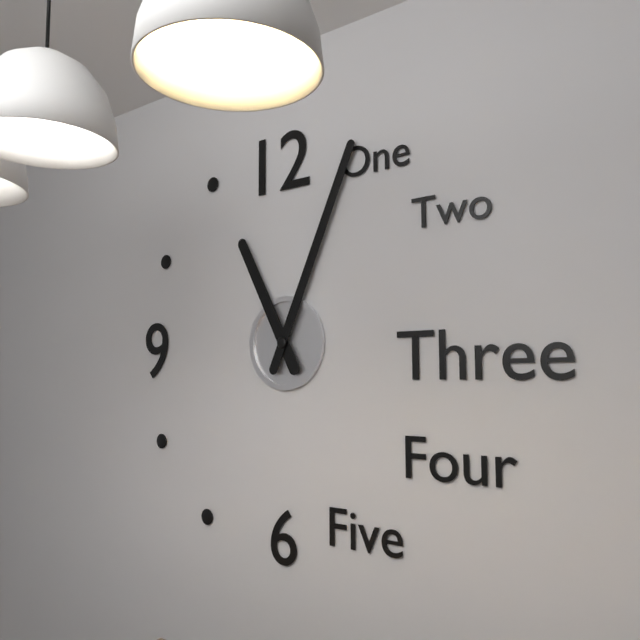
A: 11 h 04 min
